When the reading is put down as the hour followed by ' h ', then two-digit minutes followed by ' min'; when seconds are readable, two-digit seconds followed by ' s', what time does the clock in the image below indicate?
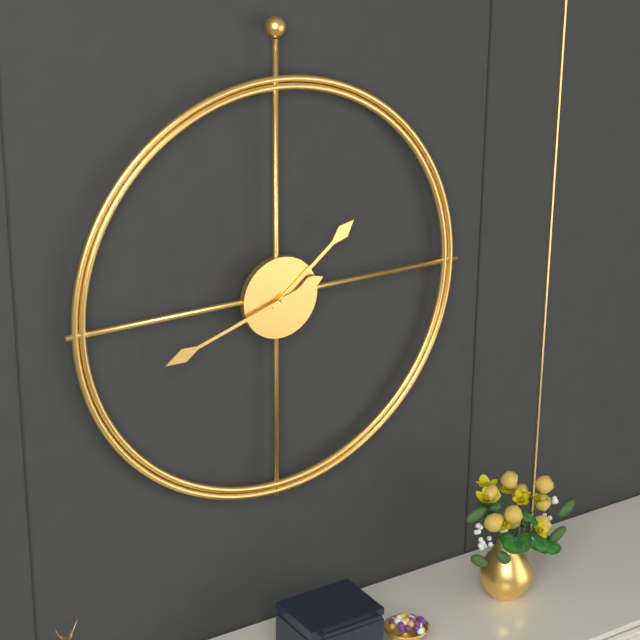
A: 1 h 42 min
